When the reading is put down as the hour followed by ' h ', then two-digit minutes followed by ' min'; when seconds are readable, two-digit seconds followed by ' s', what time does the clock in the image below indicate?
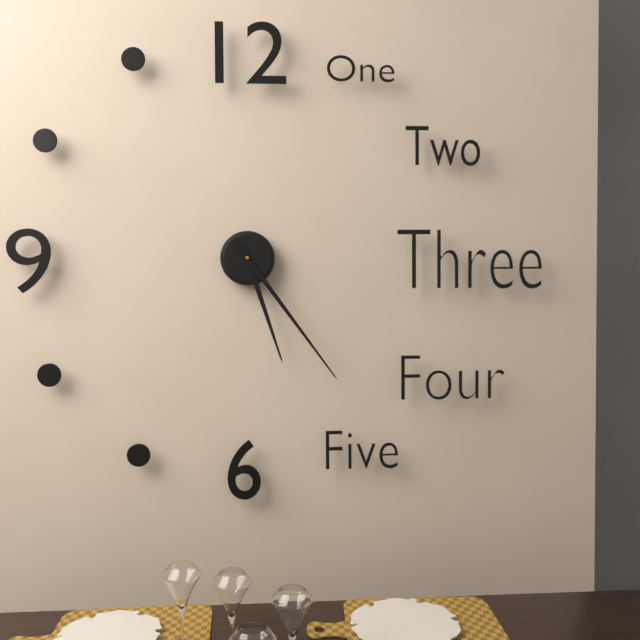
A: 5 h 24 min
